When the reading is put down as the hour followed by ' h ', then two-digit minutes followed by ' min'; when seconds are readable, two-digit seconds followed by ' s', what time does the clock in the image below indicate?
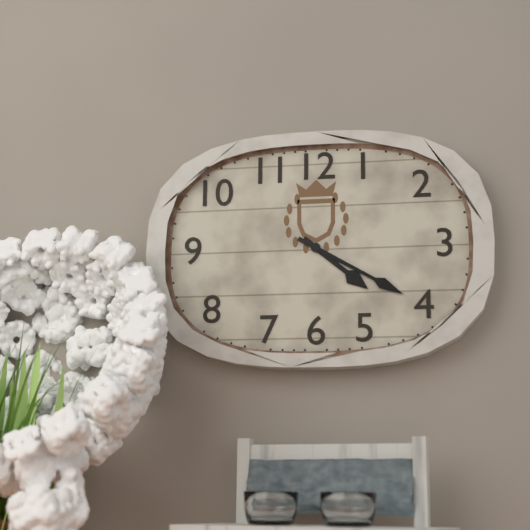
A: 4 h 20 min
